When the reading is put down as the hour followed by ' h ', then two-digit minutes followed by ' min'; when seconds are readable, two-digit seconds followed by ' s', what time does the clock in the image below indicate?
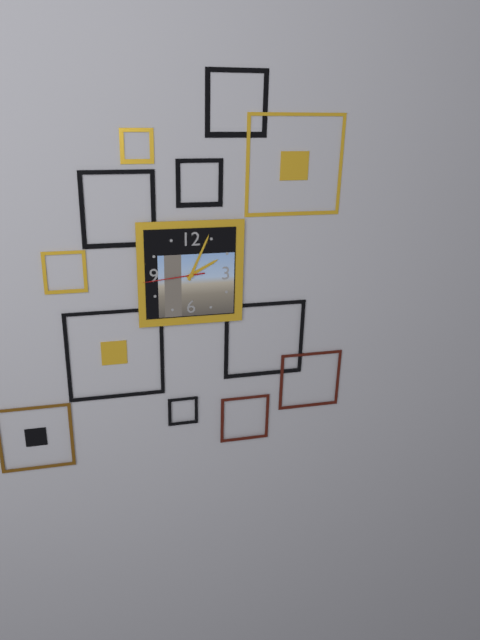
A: 2 h 04 min 44 s
